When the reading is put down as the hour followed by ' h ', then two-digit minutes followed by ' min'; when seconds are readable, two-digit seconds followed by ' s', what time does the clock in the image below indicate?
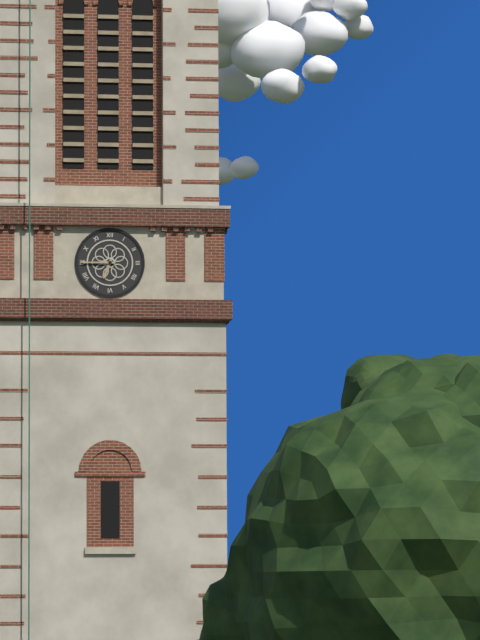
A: 6 h 45 min
